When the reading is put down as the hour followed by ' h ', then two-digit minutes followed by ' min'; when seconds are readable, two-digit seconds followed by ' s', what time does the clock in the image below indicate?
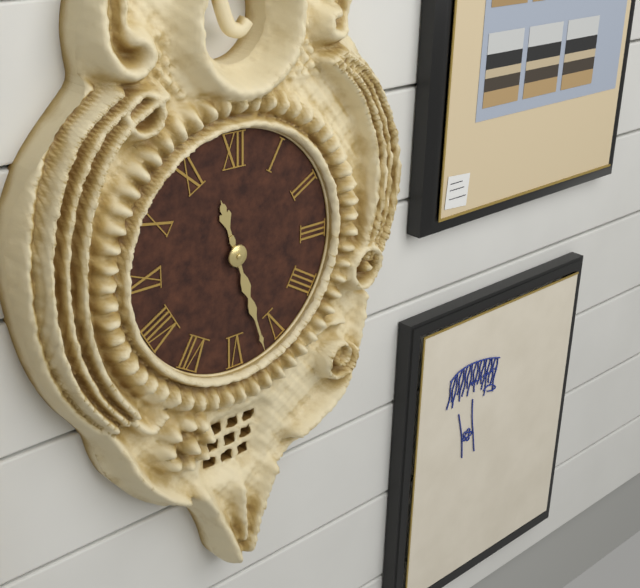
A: 11 h 27 min
